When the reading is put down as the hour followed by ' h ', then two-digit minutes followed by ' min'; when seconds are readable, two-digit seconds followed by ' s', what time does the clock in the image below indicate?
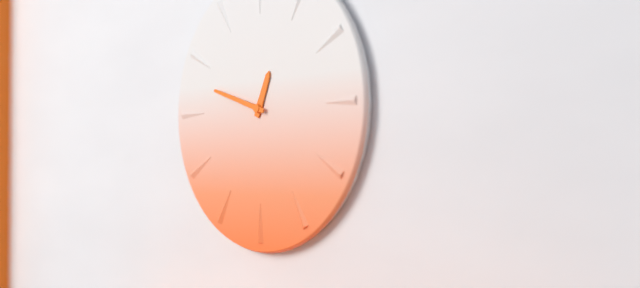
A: 12 h 48 min
